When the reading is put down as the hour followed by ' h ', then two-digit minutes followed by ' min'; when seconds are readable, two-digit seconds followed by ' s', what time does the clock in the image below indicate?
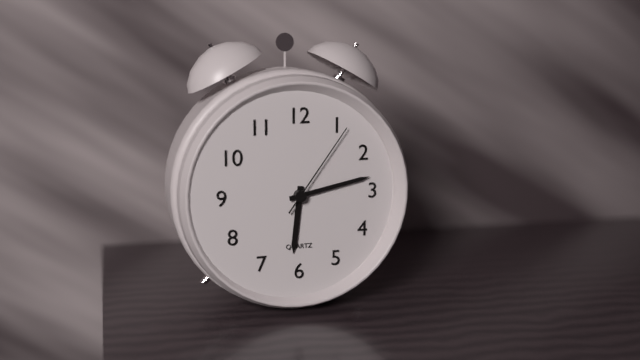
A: 6 h 13 min 06 s
